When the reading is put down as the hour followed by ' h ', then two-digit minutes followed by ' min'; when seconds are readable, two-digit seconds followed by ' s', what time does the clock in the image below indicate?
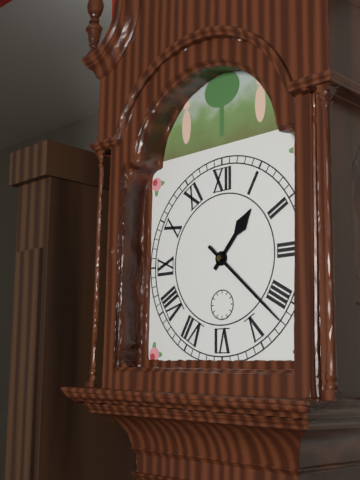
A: 1 h 22 min
